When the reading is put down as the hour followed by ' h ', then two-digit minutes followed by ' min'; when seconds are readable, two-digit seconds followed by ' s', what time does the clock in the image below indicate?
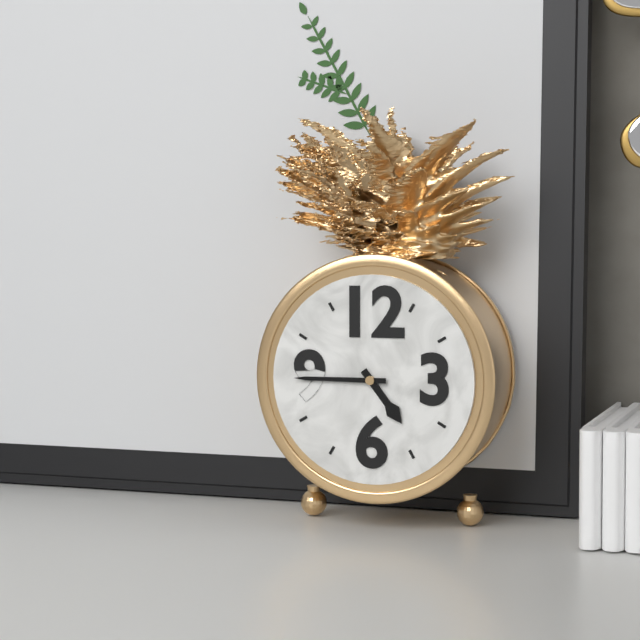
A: 4 h 45 min
